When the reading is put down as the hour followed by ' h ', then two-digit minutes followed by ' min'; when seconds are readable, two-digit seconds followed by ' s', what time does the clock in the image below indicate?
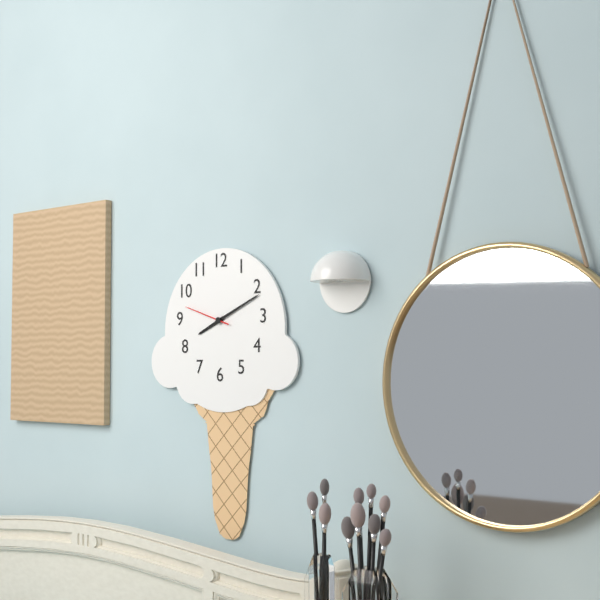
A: 8 h 11 min
